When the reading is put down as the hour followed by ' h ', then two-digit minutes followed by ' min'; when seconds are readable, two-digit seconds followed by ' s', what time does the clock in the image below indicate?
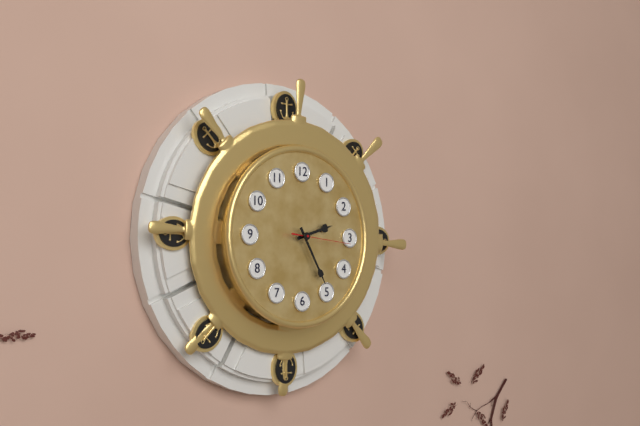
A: 2 h 25 min 16 s
